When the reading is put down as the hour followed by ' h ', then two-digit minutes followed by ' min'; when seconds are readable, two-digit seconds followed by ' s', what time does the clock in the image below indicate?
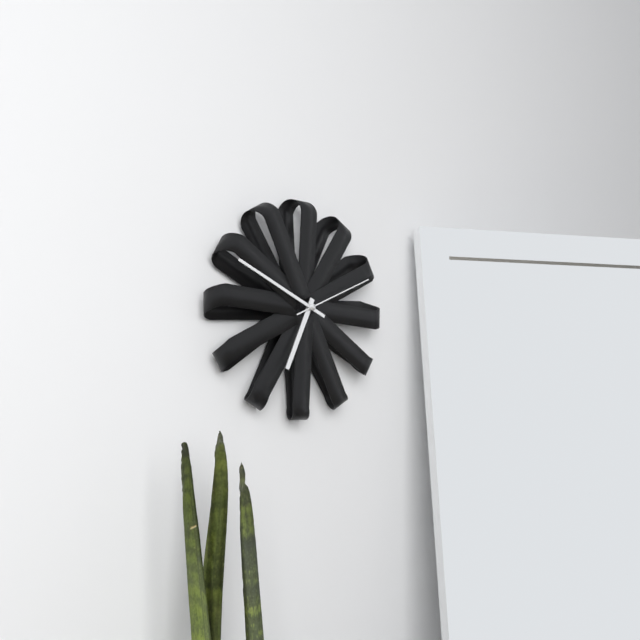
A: 6 h 49 min 11 s
